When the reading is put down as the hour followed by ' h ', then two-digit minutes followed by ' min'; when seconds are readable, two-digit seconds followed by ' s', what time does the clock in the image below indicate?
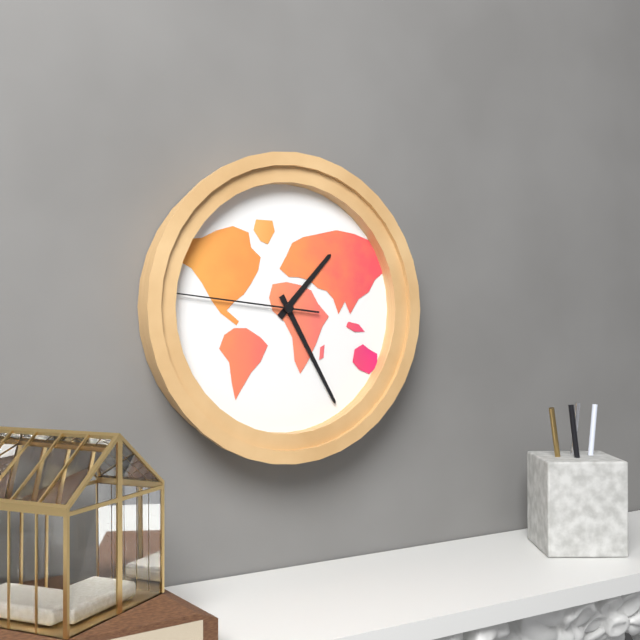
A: 1 h 25 min 46 s
